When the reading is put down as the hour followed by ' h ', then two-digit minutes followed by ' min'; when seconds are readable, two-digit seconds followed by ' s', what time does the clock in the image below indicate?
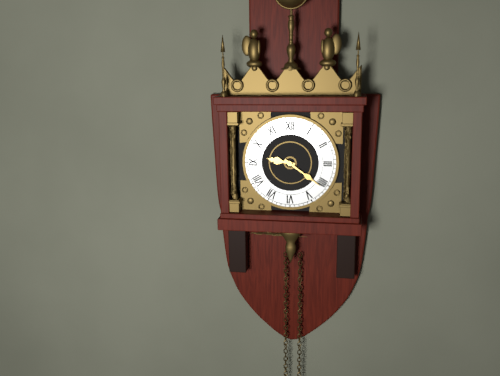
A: 9 h 21 min
